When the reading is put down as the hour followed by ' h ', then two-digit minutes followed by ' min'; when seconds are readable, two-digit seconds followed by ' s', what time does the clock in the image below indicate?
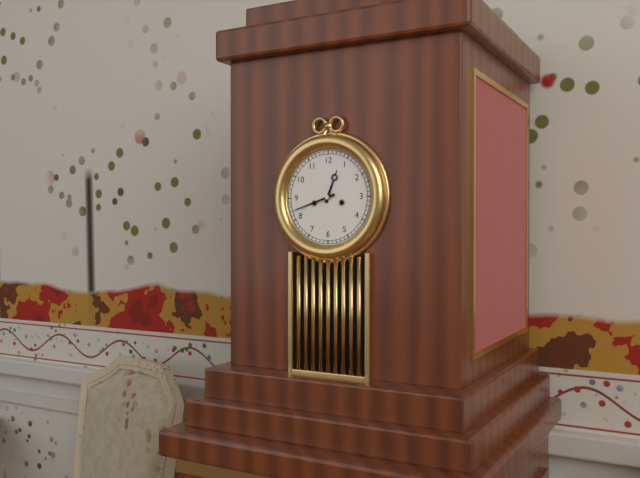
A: 12 h 42 min
